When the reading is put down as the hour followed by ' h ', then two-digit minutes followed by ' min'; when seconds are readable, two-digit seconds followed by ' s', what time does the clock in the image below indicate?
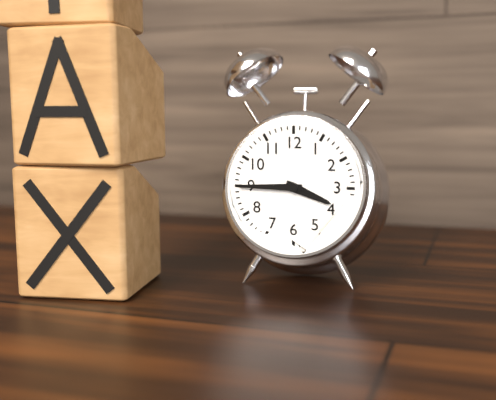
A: 3 h 45 min
